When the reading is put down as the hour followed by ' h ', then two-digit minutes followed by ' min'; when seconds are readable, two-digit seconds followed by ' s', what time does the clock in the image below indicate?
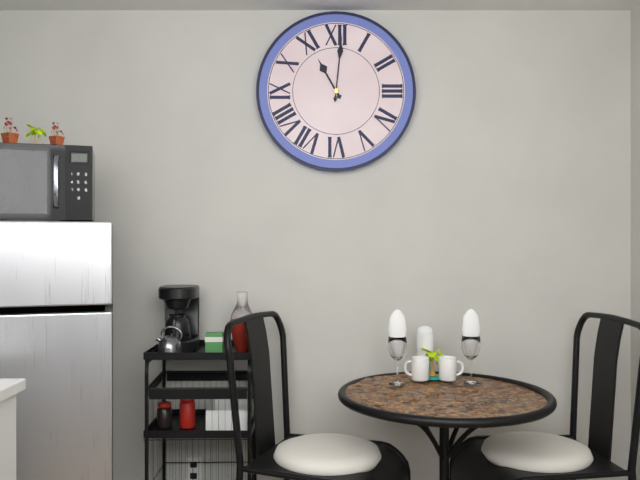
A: 11 h 01 min
